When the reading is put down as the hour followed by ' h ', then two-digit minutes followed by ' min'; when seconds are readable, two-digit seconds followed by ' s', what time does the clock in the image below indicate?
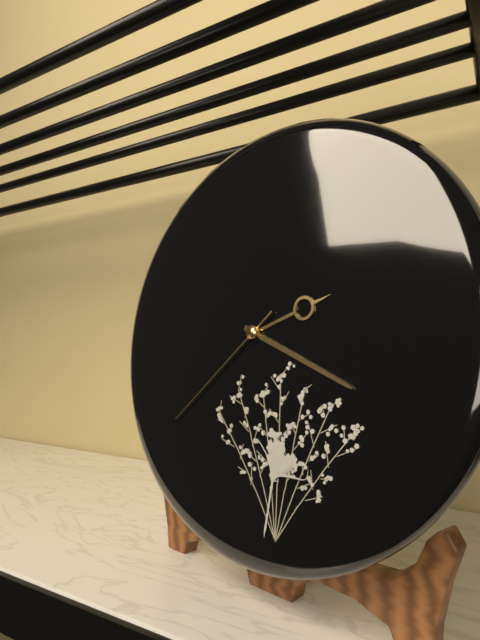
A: 2 h 19 min 38 s
